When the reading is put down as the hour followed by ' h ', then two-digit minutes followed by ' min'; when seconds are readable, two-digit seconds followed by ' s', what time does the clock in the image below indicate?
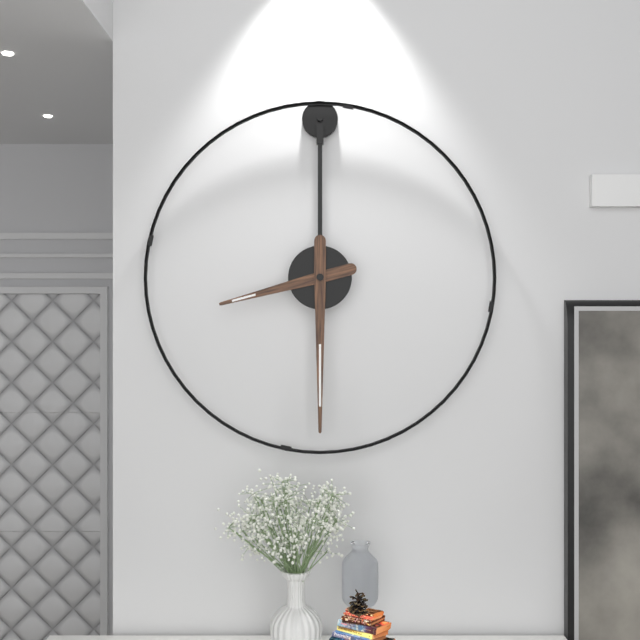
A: 8 h 30 min
